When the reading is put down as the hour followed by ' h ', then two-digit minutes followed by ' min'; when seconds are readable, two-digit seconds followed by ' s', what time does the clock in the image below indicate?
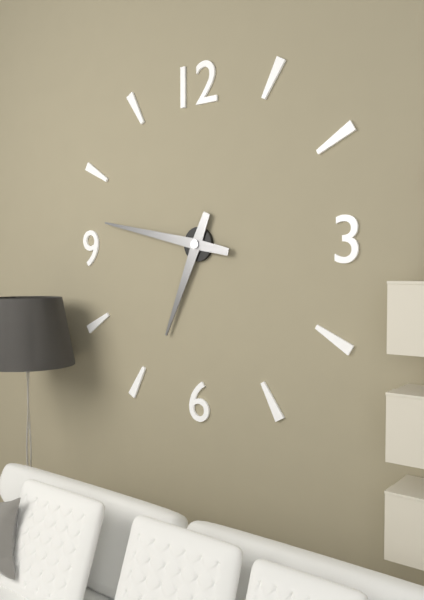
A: 6 h 47 min
